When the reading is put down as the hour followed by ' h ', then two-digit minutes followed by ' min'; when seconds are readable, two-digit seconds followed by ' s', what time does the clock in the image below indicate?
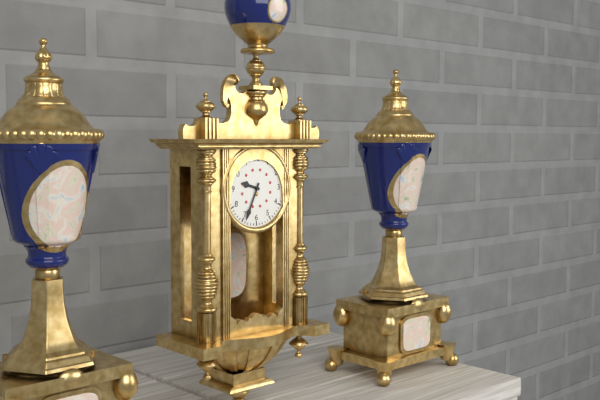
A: 9 h 34 min
